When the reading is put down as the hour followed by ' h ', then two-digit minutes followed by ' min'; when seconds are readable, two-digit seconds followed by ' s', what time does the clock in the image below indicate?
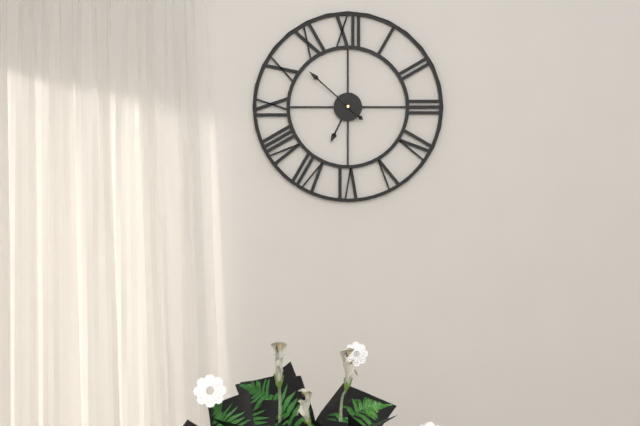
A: 6 h 52 min
